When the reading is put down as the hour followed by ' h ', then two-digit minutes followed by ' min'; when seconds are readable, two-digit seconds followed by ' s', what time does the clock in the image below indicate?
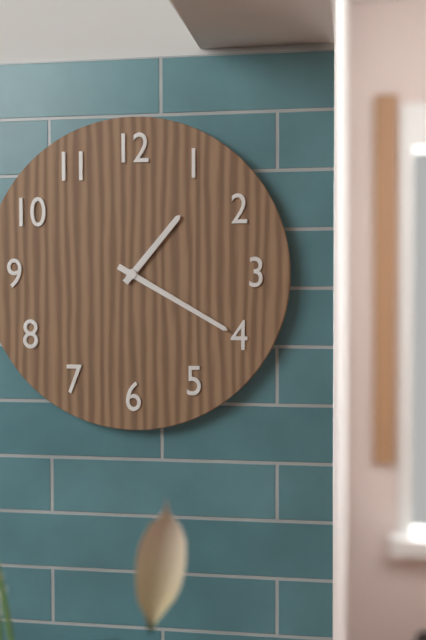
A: 1 h 20 min
